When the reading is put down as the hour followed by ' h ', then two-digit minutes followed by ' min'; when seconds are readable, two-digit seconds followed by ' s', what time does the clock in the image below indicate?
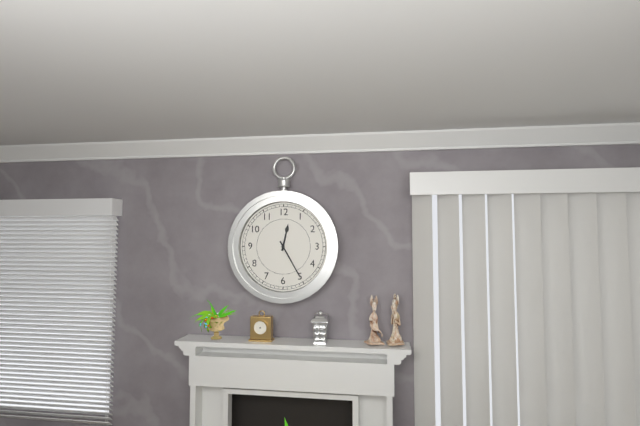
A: 12 h 25 min
